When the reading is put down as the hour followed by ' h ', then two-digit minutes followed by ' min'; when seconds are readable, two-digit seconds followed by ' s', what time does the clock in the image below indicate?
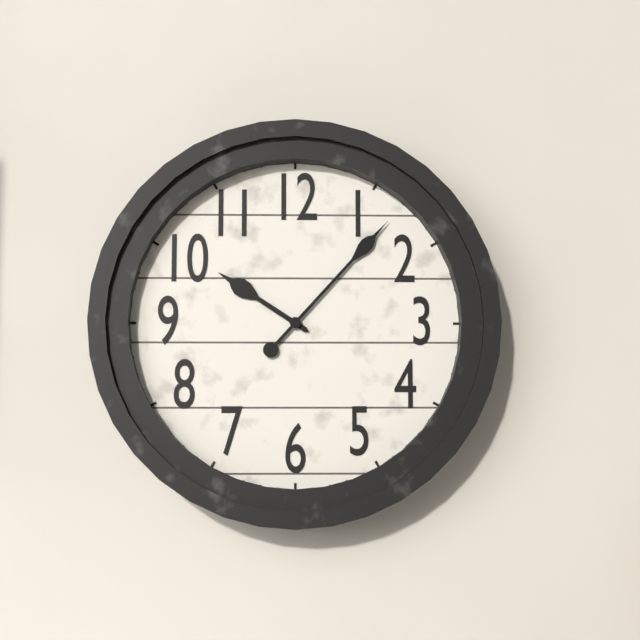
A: 10 h 07 min
